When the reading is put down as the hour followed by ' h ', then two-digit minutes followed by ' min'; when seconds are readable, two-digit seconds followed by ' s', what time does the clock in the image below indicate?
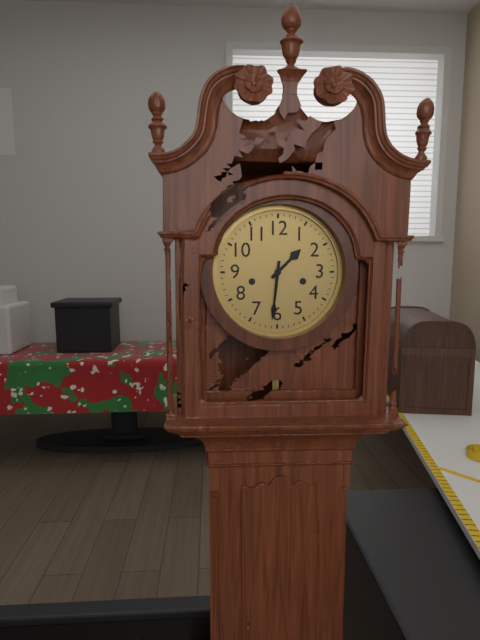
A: 1 h 31 min
